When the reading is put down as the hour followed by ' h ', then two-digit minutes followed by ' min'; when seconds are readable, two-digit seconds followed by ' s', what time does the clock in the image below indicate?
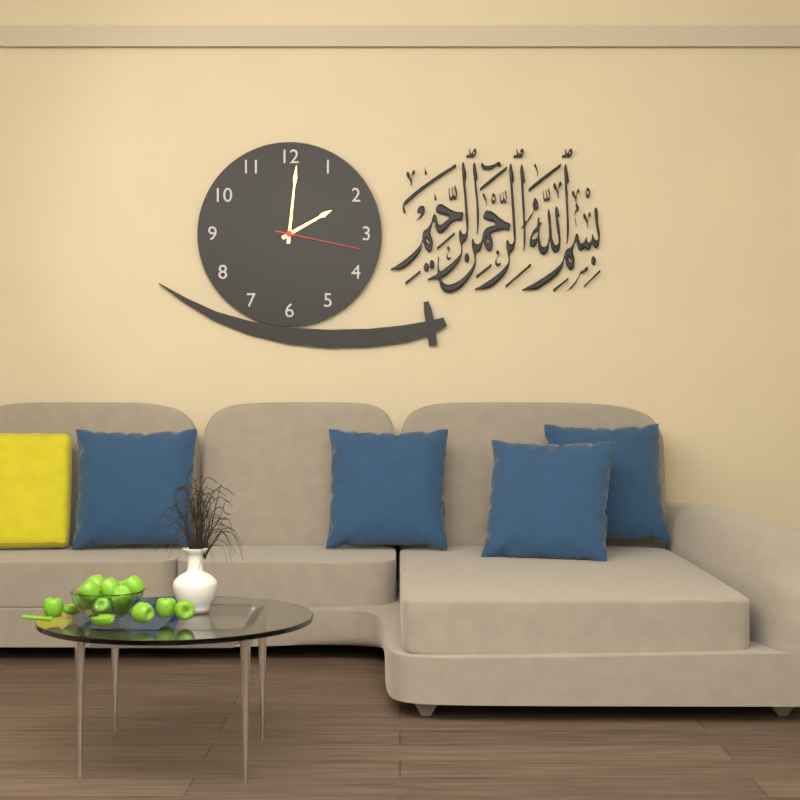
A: 2 h 01 min 17 s
